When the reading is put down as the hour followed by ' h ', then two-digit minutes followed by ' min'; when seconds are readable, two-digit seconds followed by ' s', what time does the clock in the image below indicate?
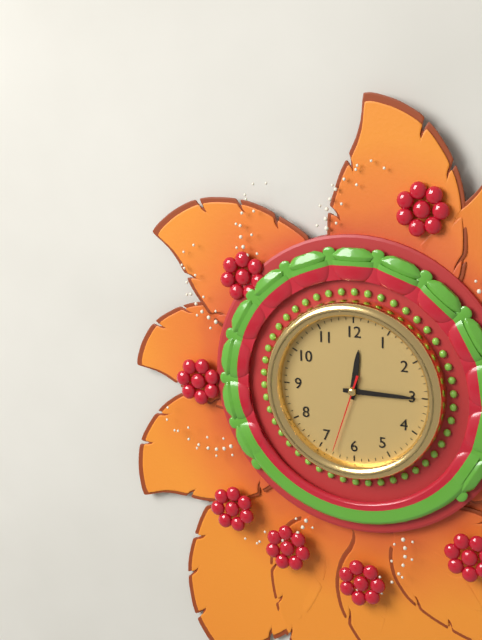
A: 12 h 15 min 33 s
